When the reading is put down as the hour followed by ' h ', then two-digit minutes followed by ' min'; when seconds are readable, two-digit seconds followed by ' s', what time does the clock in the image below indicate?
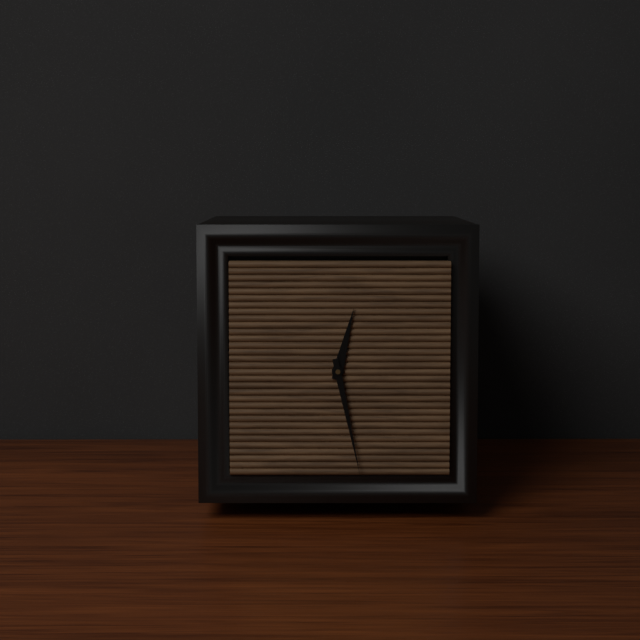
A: 12 h 28 min
